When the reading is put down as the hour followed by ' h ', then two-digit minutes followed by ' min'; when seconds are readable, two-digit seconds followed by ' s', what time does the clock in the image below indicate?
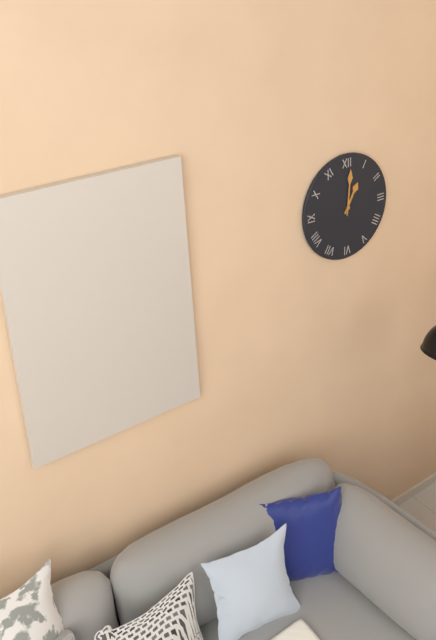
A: 1 h 01 min
